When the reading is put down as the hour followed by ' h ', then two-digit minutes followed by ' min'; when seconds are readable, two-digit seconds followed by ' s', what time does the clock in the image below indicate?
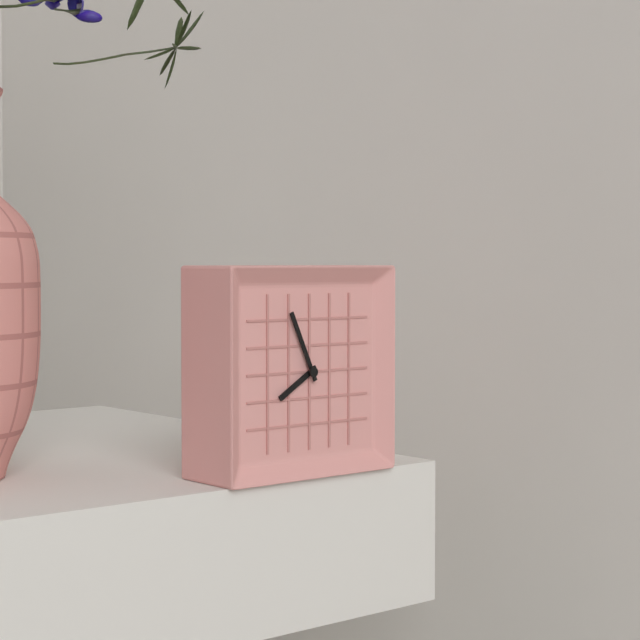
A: 7 h 56 min
